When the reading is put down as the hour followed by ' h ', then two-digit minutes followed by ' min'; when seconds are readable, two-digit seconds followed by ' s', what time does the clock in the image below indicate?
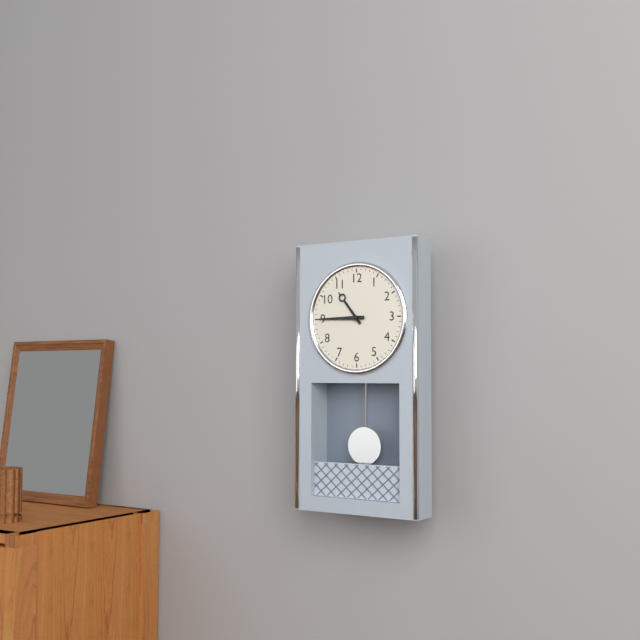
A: 10 h 45 min
